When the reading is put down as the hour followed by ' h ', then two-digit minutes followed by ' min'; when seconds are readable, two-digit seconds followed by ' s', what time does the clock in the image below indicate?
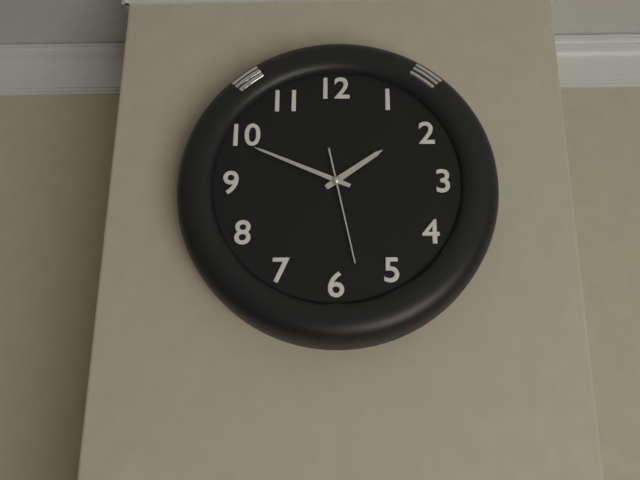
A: 1 h 49 min 28 s
